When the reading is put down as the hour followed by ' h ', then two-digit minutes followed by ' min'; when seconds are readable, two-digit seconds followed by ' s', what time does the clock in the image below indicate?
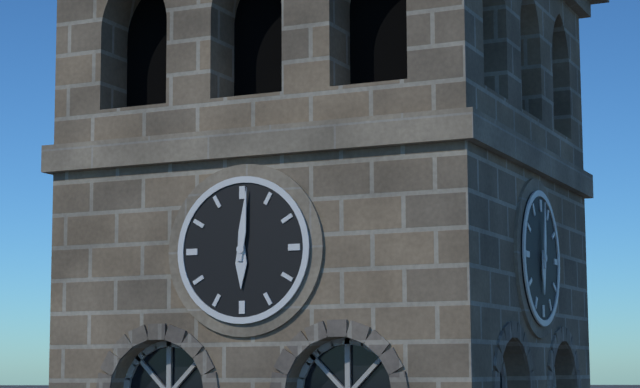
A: 6 h 01 min
